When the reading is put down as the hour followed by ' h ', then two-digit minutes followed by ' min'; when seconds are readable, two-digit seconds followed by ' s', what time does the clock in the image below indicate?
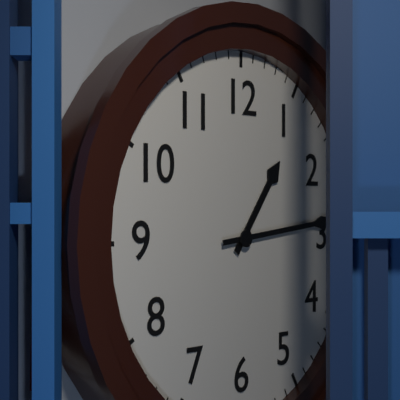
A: 1 h 14 min
